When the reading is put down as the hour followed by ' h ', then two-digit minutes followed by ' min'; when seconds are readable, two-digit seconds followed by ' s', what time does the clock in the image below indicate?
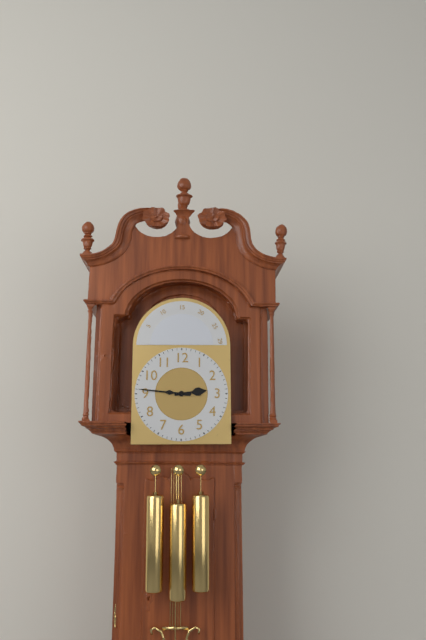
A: 2 h 46 min
